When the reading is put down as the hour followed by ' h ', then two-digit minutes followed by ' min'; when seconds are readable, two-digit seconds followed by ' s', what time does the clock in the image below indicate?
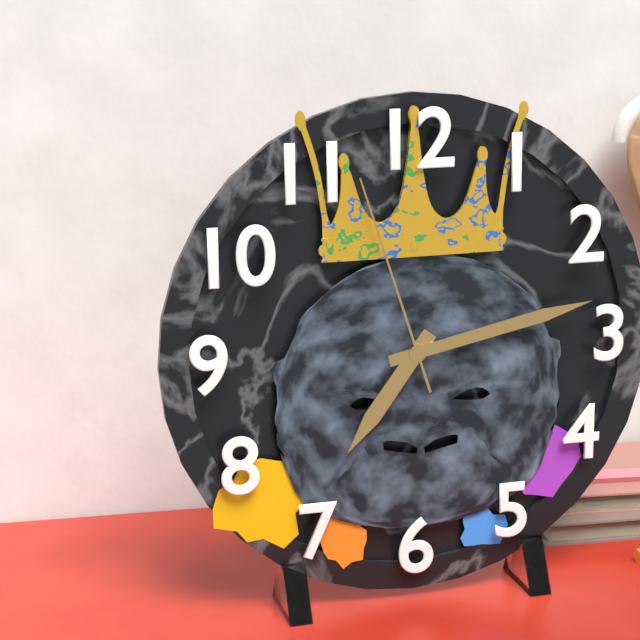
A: 7 h 13 min 57 s
